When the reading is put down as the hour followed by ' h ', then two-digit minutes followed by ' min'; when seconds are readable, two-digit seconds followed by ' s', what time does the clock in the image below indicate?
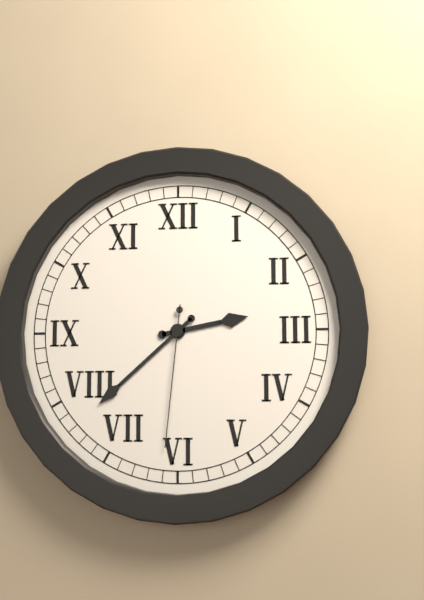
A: 2 h 38 min 31 s
